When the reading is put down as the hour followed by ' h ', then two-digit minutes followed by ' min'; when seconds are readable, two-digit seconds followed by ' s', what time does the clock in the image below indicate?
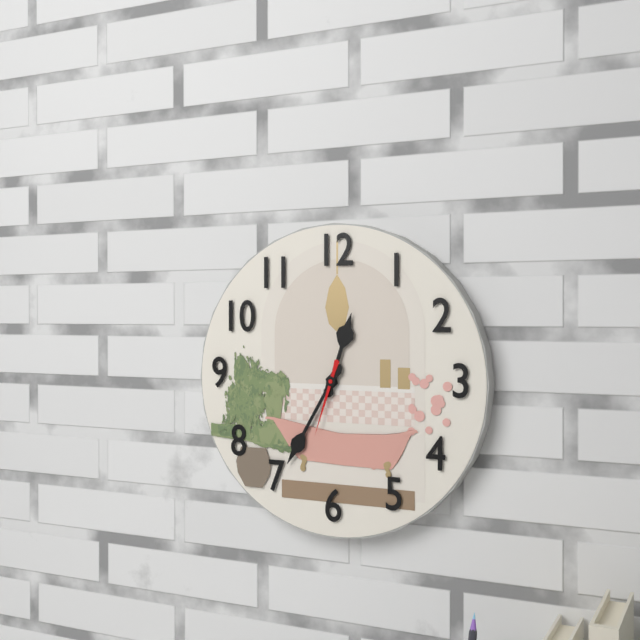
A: 12 h 35 min 33 s
